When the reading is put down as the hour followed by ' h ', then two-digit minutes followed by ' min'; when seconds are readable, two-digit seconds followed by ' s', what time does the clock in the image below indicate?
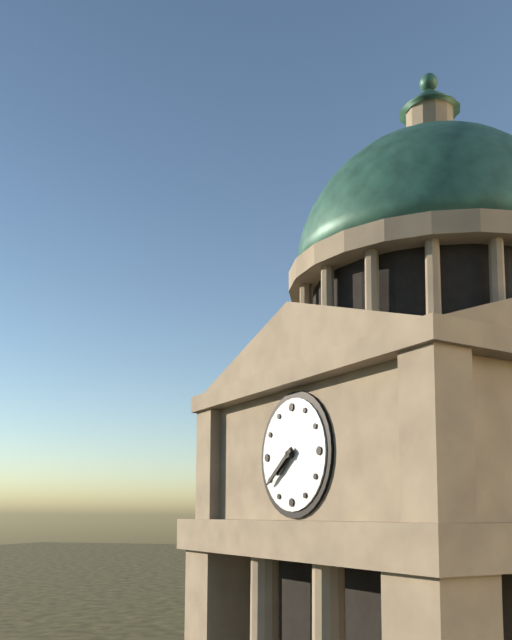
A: 7 h 39 min
